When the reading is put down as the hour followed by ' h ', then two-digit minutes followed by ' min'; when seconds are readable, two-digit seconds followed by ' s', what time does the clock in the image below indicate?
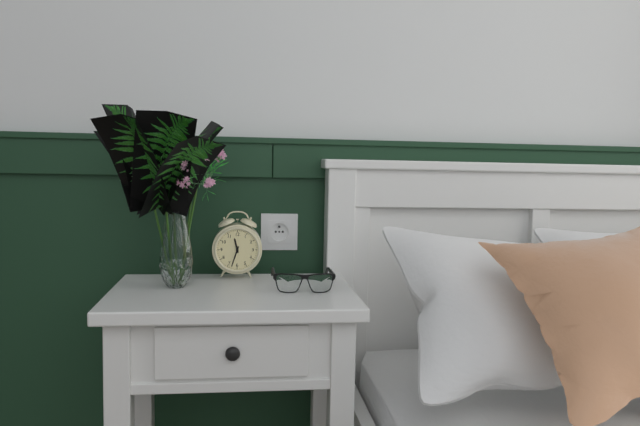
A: 11 h 33 min
